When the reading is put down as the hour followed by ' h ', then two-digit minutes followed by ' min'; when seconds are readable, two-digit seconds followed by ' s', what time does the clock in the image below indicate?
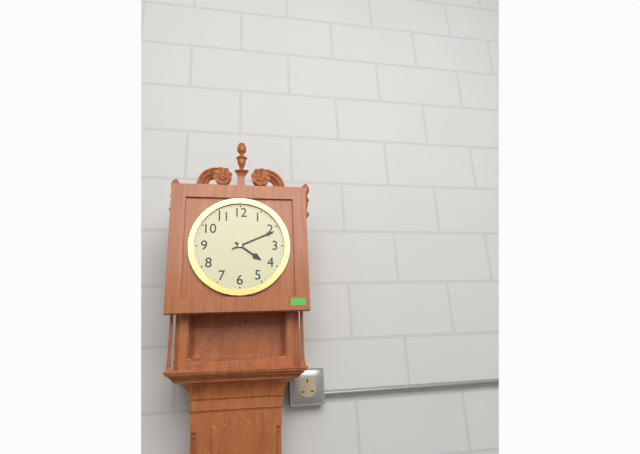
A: 4 h 11 min
